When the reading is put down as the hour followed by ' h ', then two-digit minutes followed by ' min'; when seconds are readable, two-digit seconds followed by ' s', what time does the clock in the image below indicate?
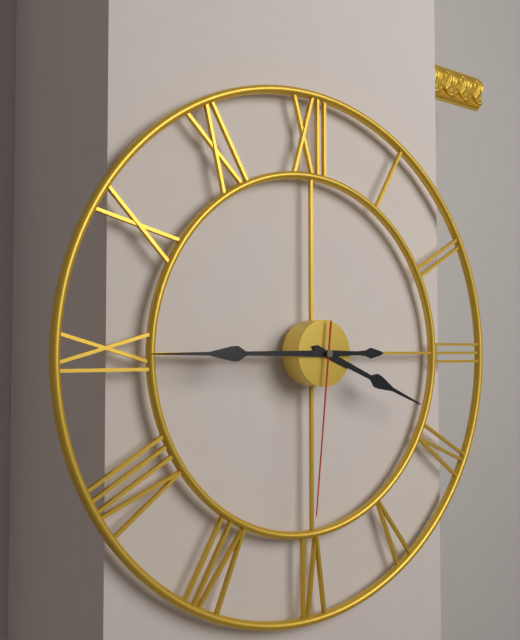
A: 3 h 45 min 31 s
